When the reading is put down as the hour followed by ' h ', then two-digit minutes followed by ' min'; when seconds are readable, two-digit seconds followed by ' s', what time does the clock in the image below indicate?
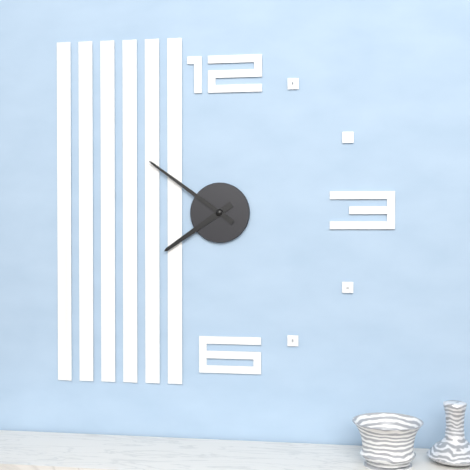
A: 7 h 51 min
